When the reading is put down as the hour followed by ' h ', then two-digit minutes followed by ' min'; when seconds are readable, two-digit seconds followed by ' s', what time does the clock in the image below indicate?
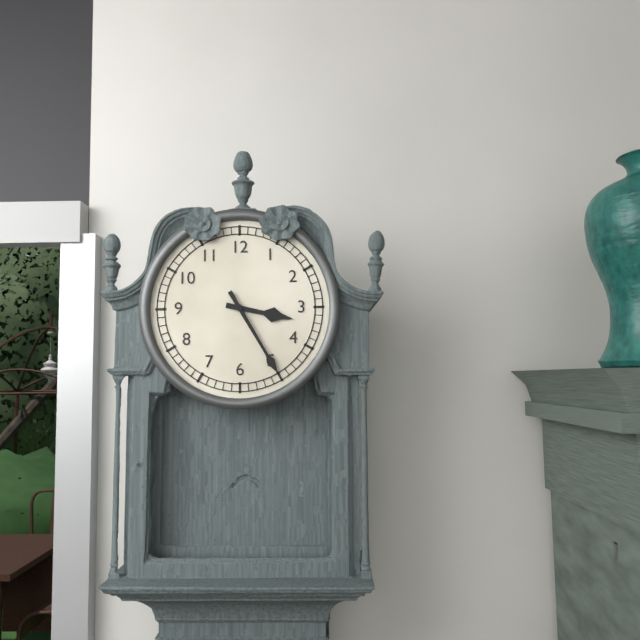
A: 3 h 25 min
